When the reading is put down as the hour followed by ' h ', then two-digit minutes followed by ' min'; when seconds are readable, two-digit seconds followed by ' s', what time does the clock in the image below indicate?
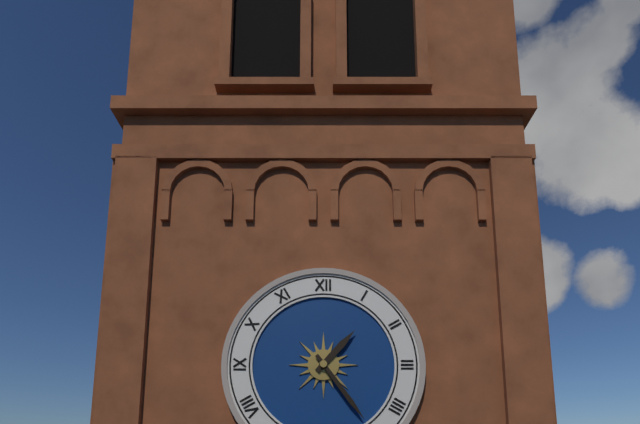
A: 1 h 24 min
